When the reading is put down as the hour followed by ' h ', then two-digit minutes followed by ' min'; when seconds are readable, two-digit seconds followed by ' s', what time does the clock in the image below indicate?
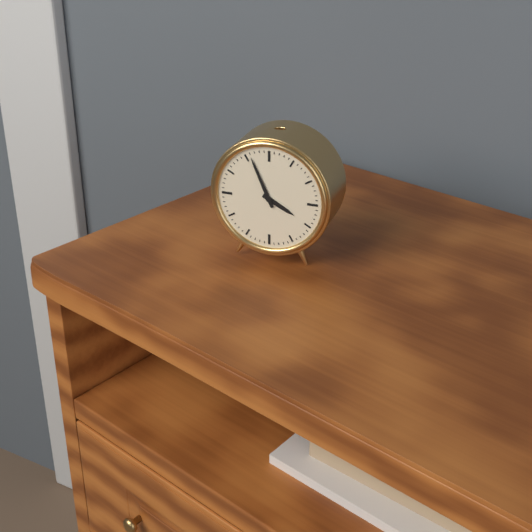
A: 3 h 56 min
